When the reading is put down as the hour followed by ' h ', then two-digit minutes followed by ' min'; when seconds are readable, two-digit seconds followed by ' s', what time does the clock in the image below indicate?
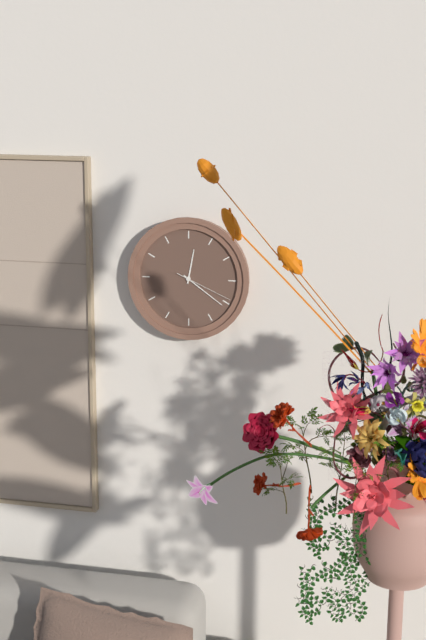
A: 12 h 21 min 19 s
